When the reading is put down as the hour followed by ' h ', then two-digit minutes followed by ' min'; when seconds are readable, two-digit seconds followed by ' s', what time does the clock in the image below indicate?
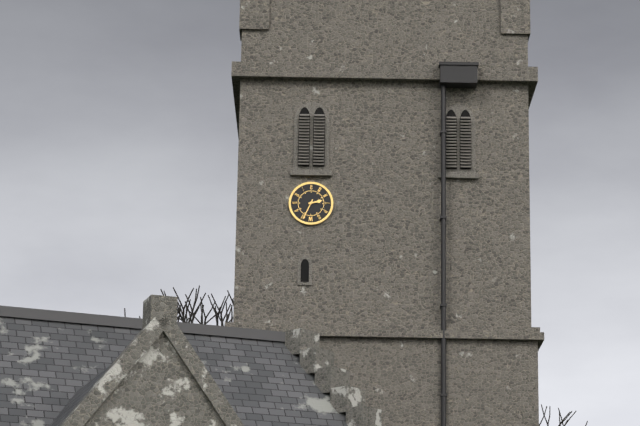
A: 2 h 34 min
